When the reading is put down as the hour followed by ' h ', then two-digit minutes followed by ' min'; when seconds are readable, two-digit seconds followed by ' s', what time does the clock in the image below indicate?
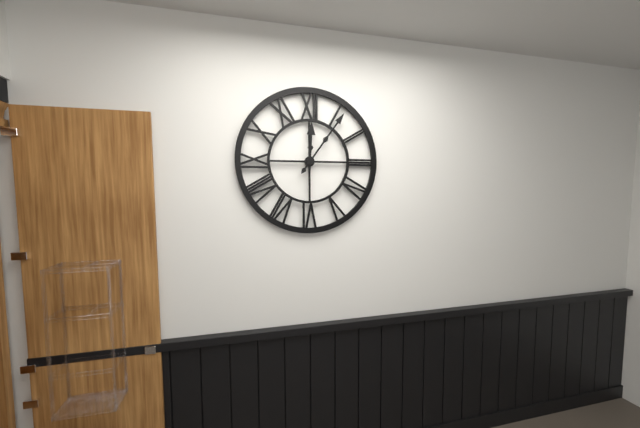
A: 12 h 06 min
